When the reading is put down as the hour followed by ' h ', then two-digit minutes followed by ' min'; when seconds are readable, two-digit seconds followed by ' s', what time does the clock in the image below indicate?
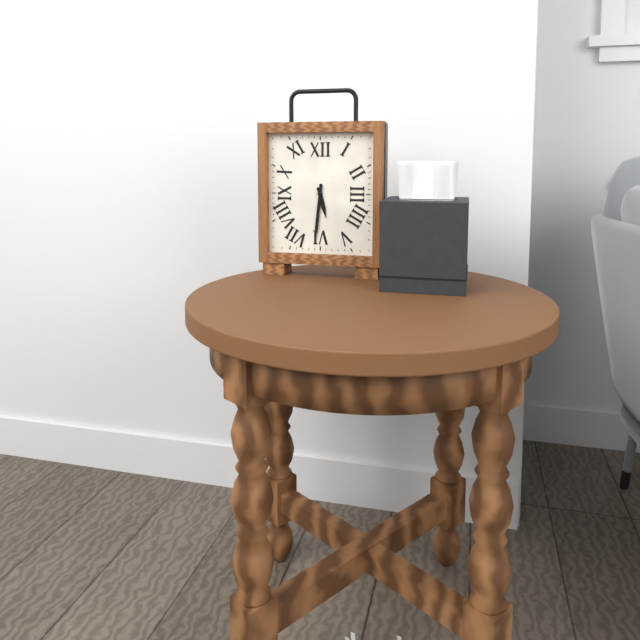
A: 5 h 31 min
